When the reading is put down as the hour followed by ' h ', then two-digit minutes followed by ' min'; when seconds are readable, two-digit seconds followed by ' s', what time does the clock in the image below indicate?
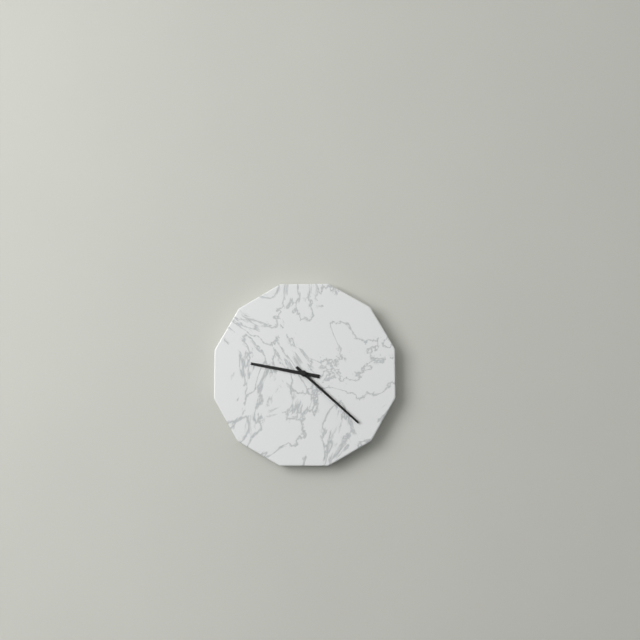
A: 9 h 22 min
